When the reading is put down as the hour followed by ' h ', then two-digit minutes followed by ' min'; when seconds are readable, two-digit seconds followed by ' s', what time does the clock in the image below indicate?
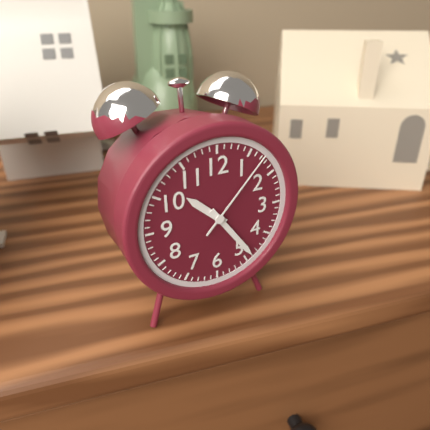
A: 10 h 24 min 07 s
